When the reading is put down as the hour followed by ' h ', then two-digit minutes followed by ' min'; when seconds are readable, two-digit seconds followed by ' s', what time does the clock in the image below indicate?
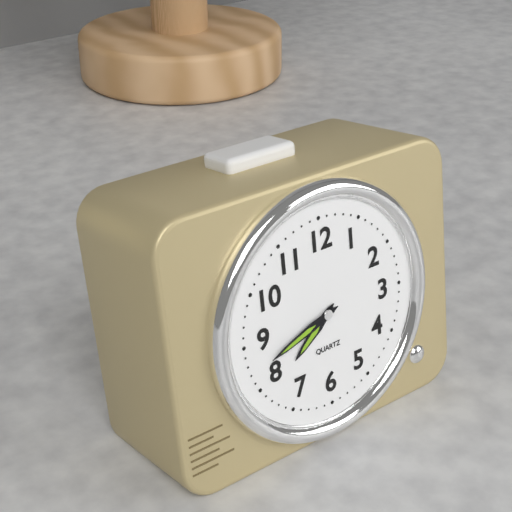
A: 7 h 42 min
